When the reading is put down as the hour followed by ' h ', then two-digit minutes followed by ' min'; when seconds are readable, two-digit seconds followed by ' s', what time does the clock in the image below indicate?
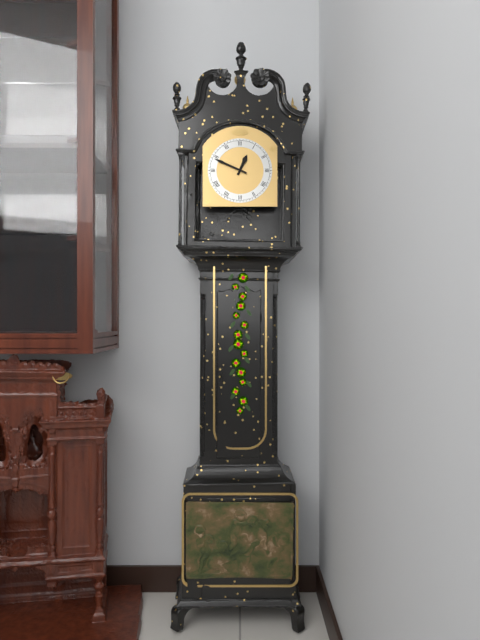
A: 12 h 49 min
